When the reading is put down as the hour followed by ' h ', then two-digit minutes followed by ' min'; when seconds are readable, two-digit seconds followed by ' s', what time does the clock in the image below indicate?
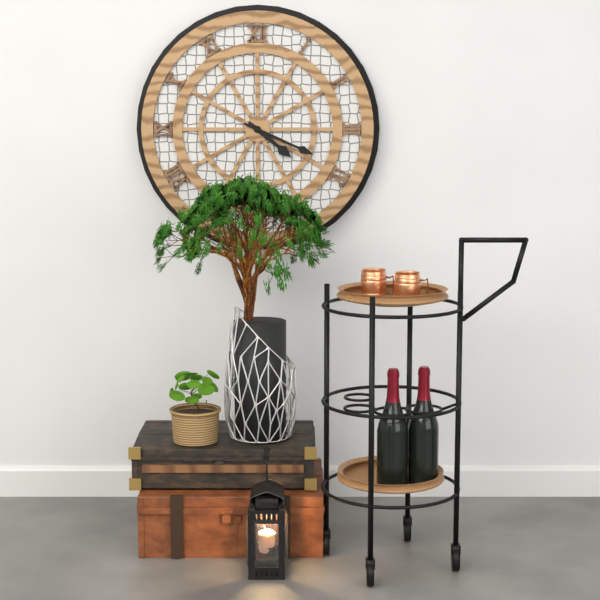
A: 4 h 19 min
